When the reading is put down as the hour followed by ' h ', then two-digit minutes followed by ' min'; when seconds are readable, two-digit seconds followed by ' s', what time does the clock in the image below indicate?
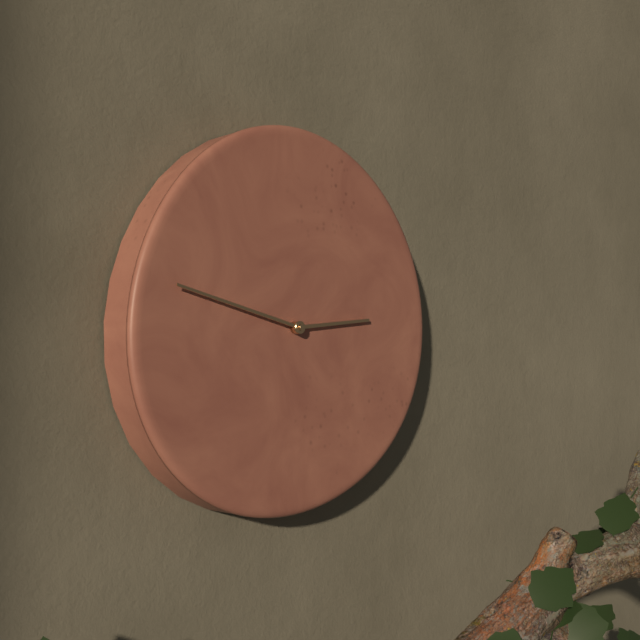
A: 2 h 47 min
